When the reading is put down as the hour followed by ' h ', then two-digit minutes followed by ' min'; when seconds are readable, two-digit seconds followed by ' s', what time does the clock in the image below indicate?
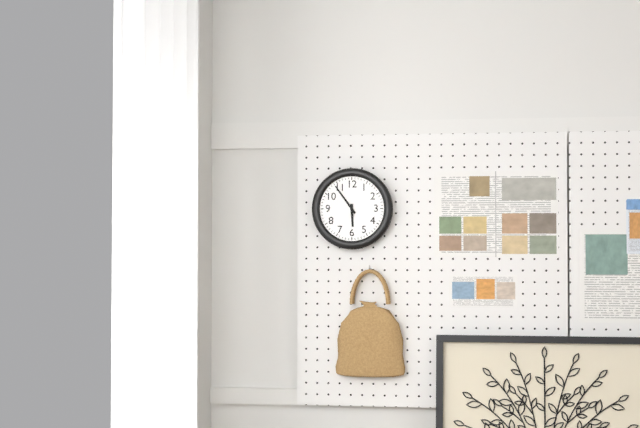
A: 5 h 54 min
